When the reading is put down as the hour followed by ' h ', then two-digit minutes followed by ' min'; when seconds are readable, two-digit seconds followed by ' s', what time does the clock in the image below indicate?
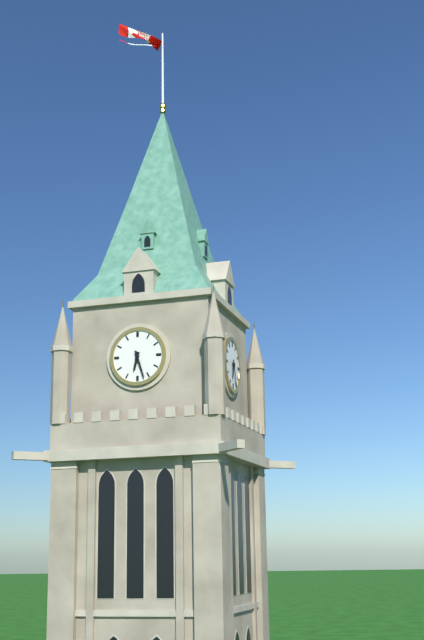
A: 6 h 27 min
